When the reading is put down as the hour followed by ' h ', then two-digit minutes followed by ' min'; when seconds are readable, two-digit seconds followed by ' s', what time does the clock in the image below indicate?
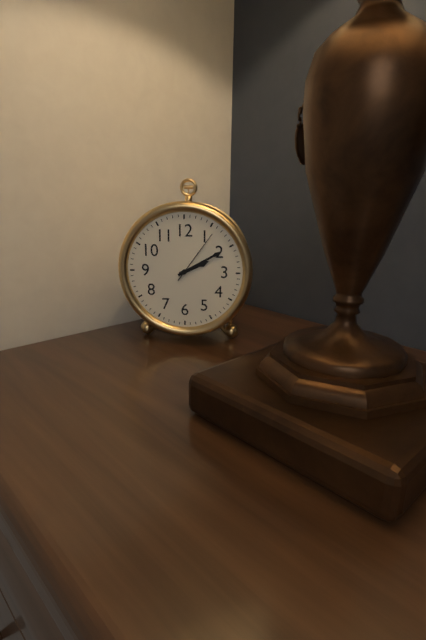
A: 2 h 10 min 06 s
